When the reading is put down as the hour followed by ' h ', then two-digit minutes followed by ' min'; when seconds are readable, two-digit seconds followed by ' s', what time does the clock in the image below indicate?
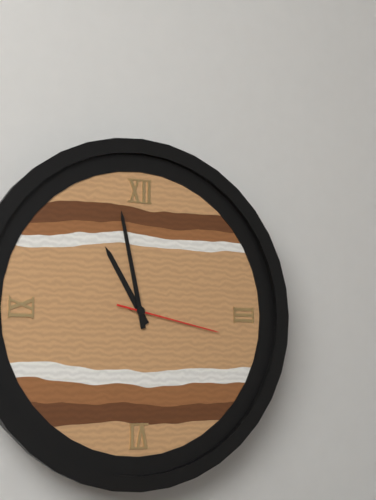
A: 10 h 58 min 17 s
